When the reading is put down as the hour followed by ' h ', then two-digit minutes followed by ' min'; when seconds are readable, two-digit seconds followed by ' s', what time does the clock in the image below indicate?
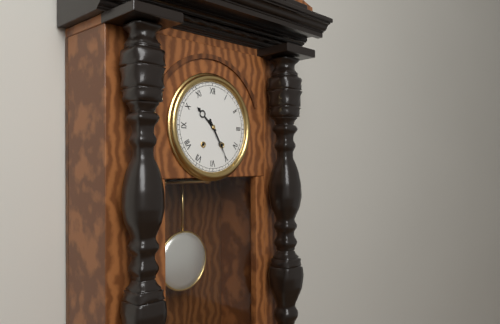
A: 10 h 25 min
